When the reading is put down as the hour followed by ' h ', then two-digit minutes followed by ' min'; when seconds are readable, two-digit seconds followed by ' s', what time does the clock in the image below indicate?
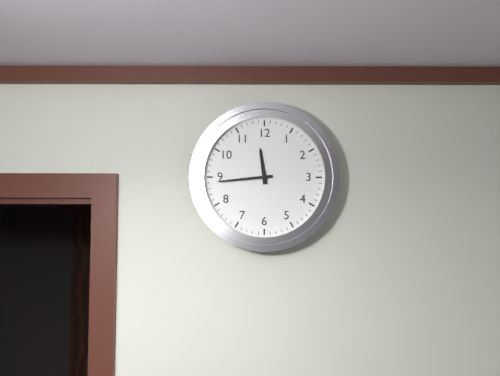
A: 11 h 44 min
